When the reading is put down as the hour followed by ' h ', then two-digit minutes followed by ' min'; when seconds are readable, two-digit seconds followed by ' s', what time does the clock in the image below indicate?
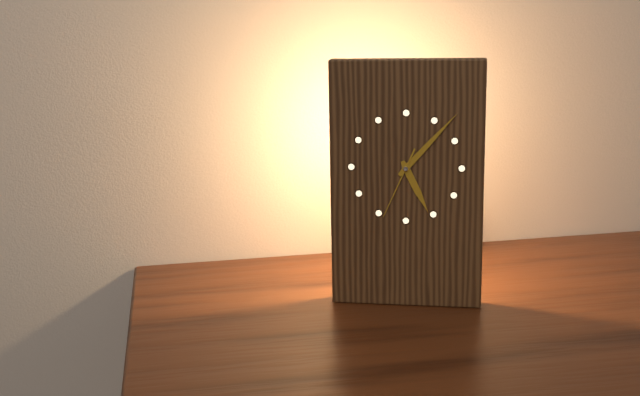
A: 5 h 07 min 34 s
